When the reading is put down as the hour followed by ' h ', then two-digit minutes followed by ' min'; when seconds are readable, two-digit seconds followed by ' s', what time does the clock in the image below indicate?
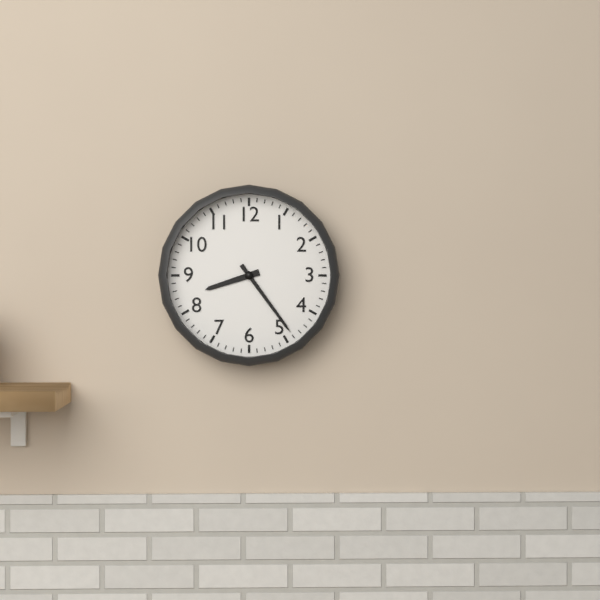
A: 8 h 24 min
